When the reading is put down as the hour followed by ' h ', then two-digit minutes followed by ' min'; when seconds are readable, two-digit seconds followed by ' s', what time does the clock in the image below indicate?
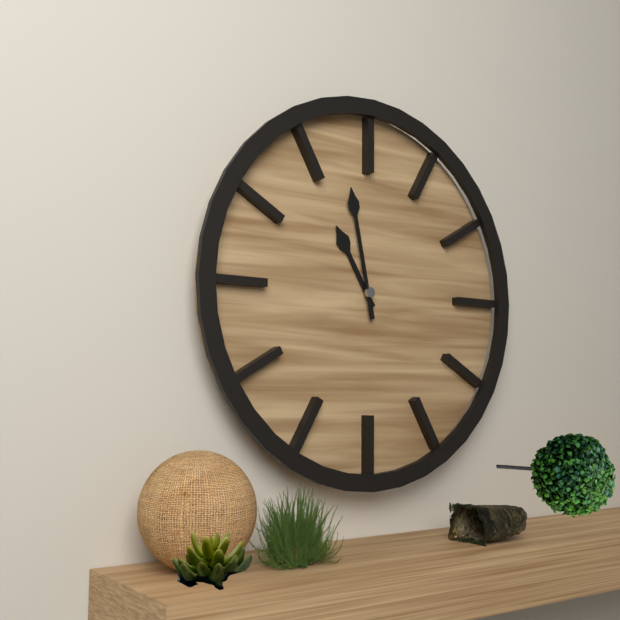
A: 10 h 58 min
